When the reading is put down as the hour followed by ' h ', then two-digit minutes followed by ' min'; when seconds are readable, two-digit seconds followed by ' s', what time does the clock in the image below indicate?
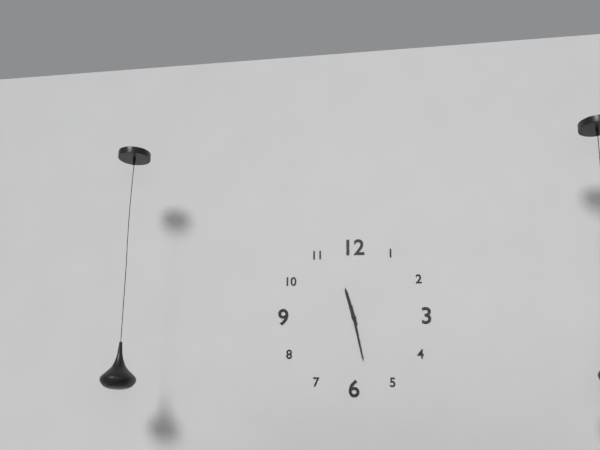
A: 11 h 28 min
